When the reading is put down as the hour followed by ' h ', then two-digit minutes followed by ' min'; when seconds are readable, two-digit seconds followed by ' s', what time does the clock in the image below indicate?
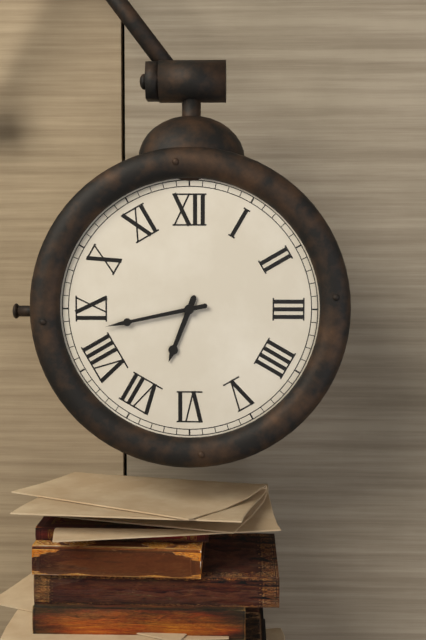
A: 6 h 43 min
